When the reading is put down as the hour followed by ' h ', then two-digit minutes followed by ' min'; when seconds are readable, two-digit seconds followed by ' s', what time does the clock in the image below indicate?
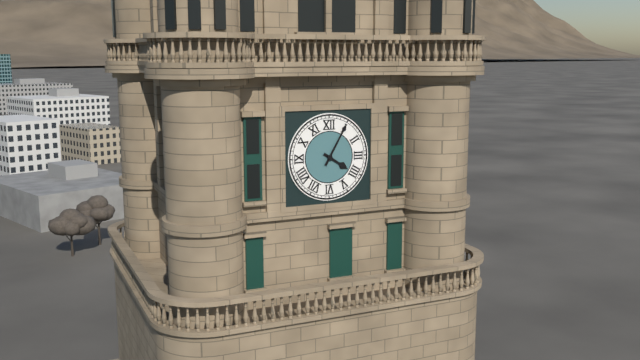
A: 4 h 05 min
